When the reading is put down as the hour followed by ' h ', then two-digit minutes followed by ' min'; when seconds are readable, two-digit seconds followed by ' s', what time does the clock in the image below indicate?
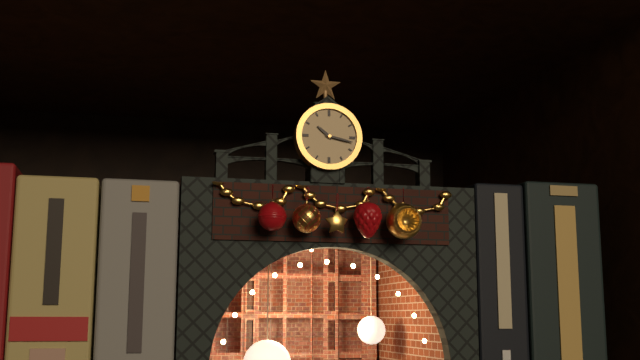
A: 10 h 17 min
